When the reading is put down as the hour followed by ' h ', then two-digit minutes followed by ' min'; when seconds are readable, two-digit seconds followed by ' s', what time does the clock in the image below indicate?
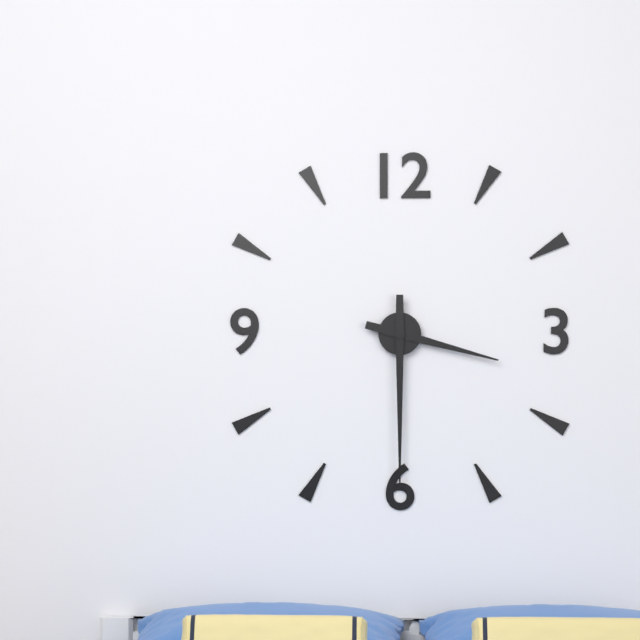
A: 3 h 30 min
